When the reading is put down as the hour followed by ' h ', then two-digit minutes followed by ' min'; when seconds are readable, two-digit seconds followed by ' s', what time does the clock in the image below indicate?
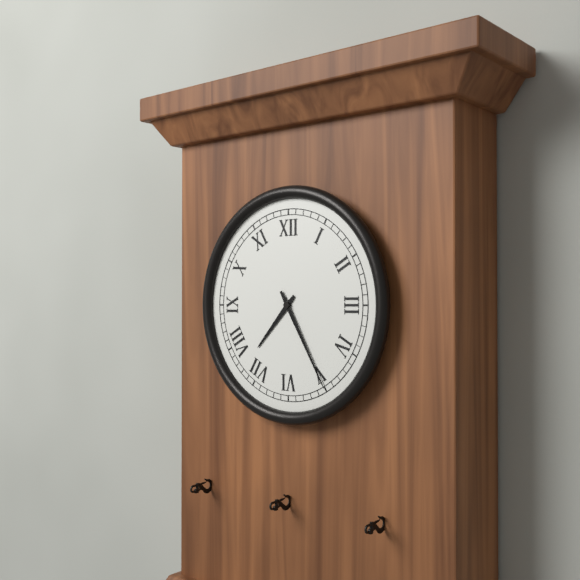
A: 7 h 25 min
